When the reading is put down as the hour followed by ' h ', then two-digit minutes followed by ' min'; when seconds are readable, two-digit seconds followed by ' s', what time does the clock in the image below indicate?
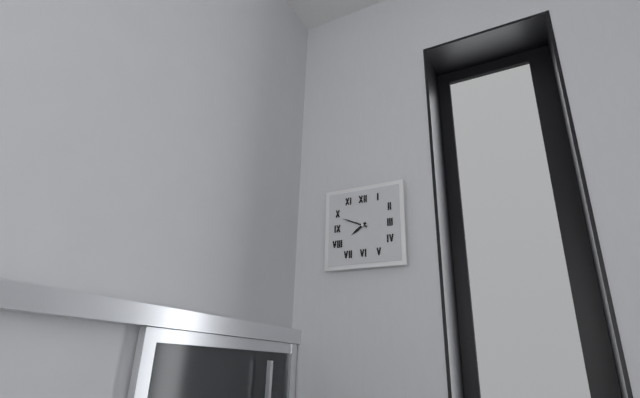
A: 7 h 49 min
